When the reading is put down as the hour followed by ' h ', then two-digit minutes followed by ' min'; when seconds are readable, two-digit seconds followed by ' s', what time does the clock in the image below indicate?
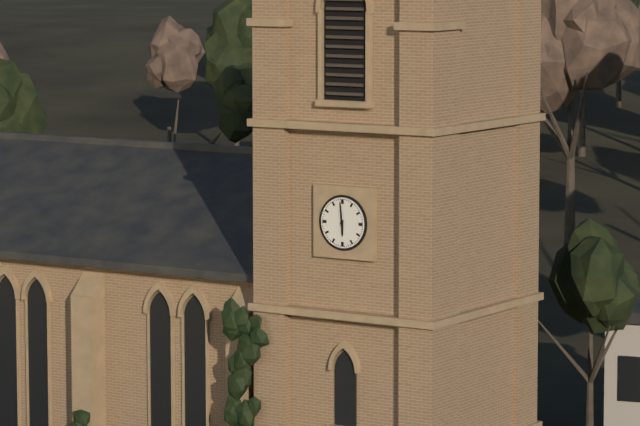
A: 5 h 59 min
